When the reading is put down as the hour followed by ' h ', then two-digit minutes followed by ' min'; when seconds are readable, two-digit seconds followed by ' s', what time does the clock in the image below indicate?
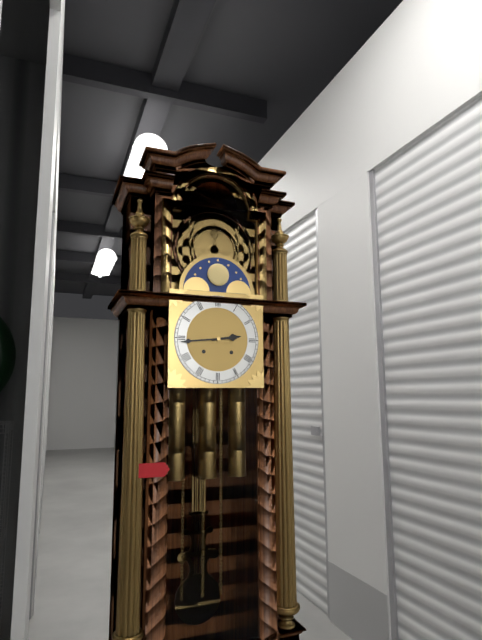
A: 2 h 44 min
